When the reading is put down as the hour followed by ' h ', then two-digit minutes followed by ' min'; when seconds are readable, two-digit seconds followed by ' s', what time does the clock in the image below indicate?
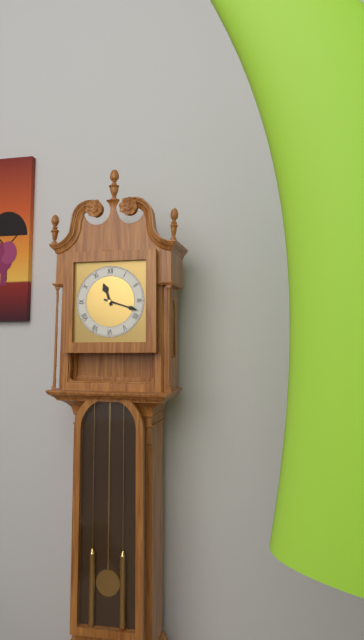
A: 11 h 18 min
